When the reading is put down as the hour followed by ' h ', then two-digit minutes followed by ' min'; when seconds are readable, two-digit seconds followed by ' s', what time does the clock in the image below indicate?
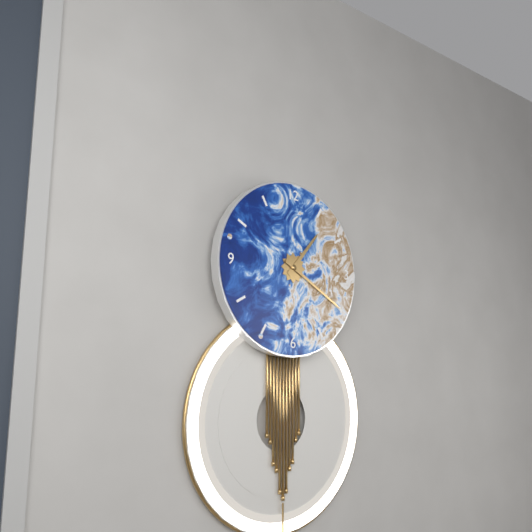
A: 1 h 20 min
